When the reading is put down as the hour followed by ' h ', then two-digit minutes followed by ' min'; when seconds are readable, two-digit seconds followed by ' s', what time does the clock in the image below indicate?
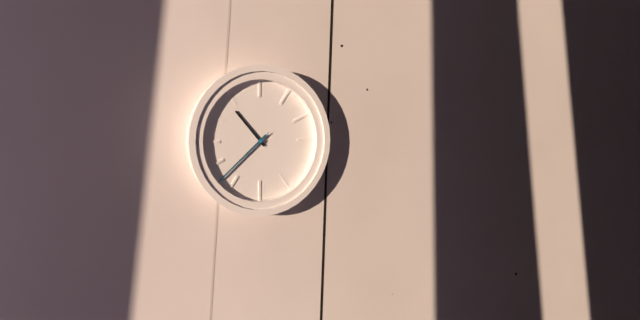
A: 10 h 38 min 38 s
